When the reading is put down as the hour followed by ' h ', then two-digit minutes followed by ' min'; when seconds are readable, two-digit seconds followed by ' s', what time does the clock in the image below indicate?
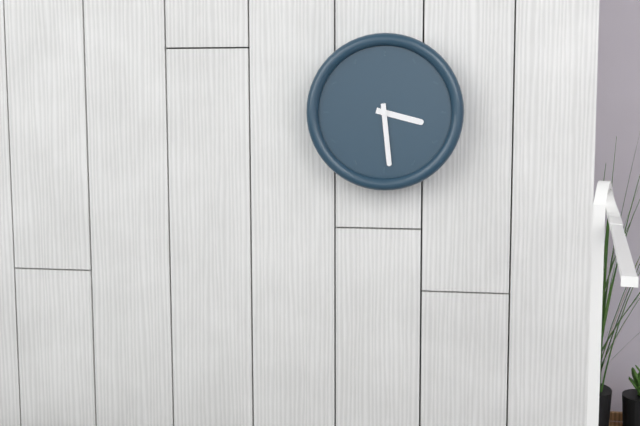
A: 3 h 29 min
